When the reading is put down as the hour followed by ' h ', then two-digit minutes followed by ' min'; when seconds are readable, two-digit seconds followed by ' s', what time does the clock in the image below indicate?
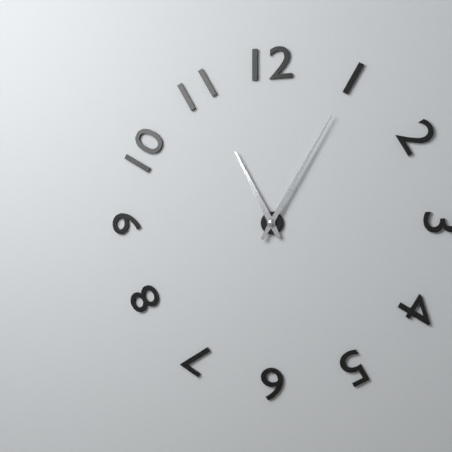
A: 11 h 05 min
